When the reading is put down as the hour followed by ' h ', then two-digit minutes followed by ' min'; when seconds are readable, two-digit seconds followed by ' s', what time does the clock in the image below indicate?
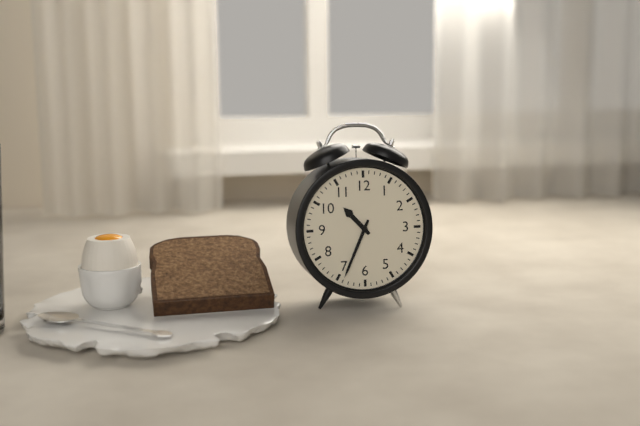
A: 10 h 34 min
